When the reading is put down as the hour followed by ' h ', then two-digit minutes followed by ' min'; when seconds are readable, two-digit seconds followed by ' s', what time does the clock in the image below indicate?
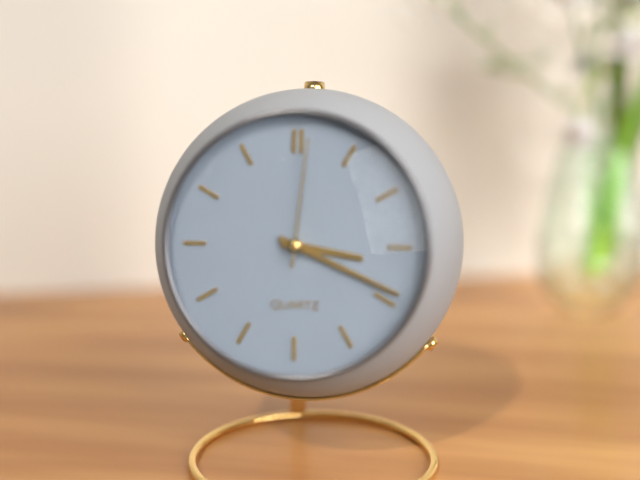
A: 3 h 19 min 01 s
